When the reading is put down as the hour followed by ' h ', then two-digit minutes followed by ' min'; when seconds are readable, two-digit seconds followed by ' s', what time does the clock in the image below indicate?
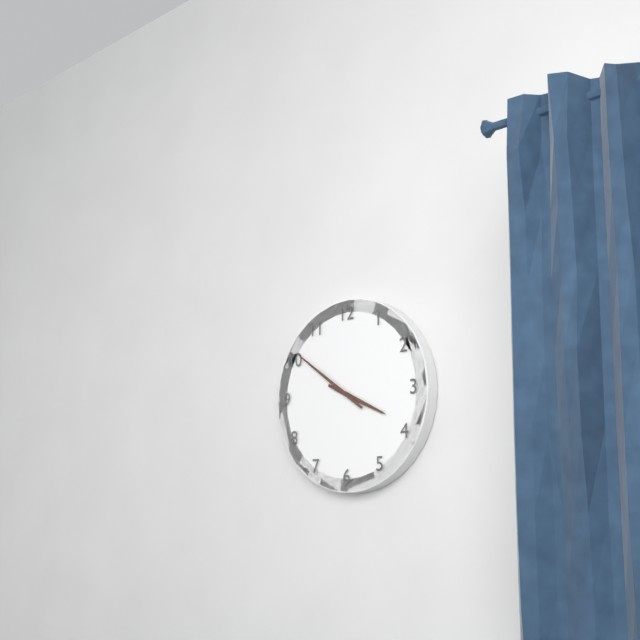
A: 3 h 51 min
